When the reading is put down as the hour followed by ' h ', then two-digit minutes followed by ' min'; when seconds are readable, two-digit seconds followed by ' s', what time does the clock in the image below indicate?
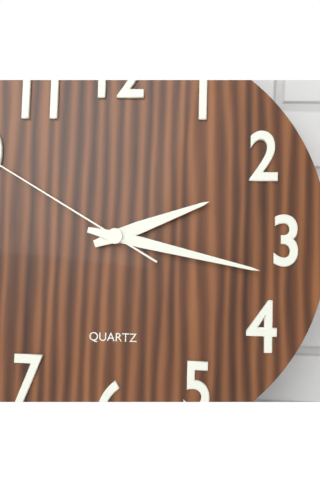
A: 2 h 17 min
